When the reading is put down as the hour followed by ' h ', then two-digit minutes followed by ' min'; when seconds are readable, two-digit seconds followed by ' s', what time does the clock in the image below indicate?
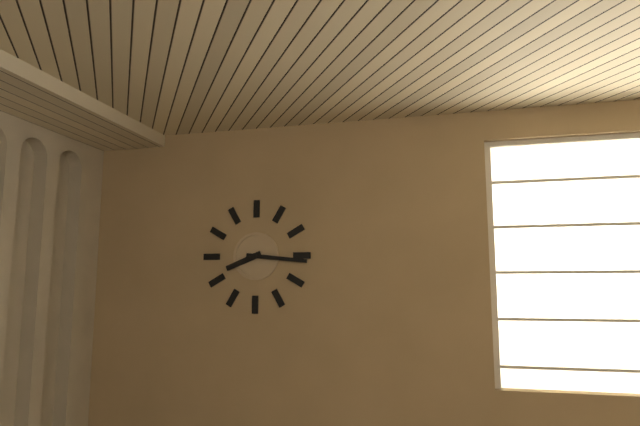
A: 8 h 16 min
